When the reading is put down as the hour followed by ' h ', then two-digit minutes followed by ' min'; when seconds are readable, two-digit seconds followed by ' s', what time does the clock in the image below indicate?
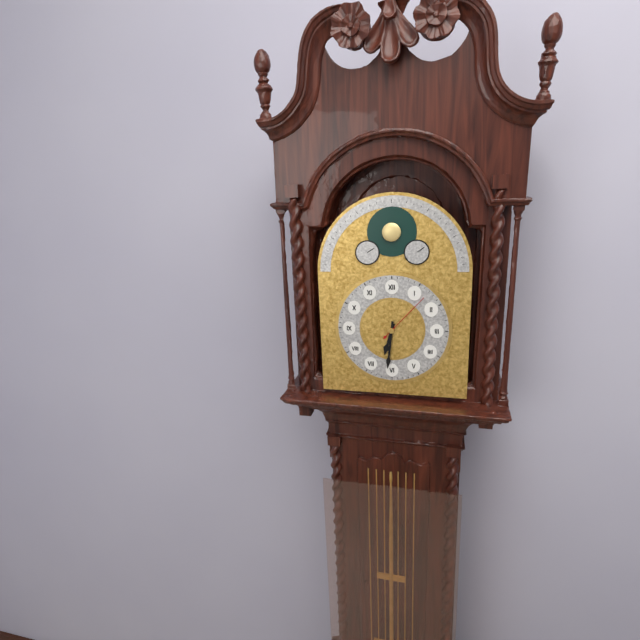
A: 6 h 31 min 07 s
